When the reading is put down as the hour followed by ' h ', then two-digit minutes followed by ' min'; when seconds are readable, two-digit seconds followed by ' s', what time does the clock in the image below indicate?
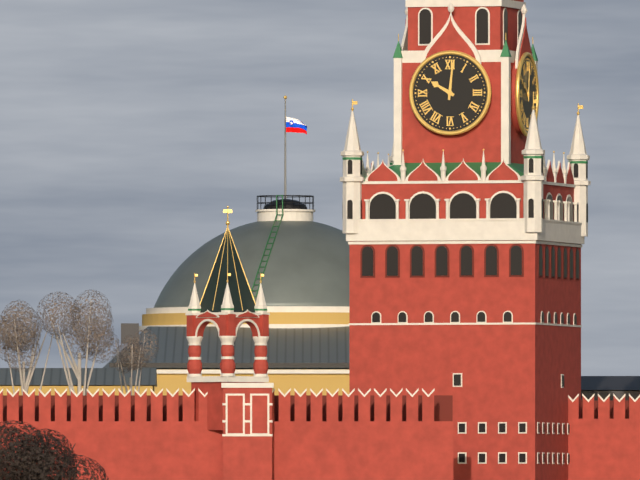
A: 10 h 01 min
